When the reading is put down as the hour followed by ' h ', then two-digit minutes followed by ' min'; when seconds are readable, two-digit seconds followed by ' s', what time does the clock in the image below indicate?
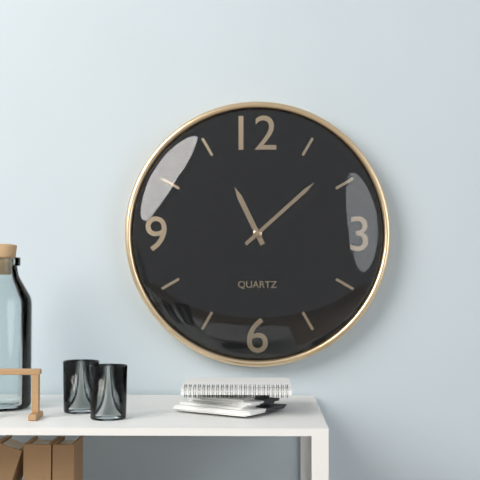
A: 11 h 08 min
